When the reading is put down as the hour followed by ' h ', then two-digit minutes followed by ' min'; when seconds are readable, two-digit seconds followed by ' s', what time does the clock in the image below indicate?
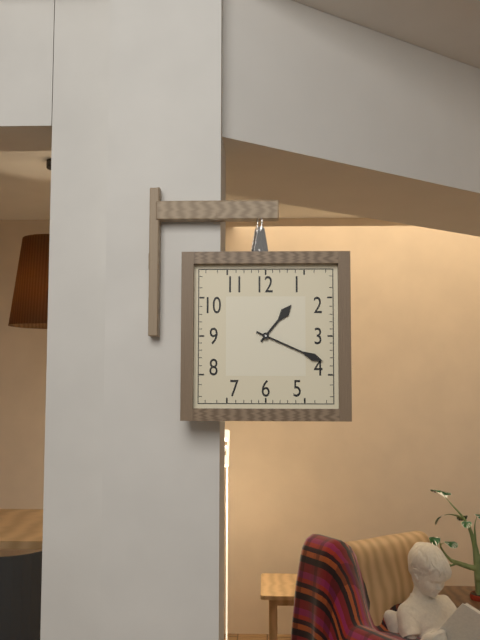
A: 1 h 19 min
